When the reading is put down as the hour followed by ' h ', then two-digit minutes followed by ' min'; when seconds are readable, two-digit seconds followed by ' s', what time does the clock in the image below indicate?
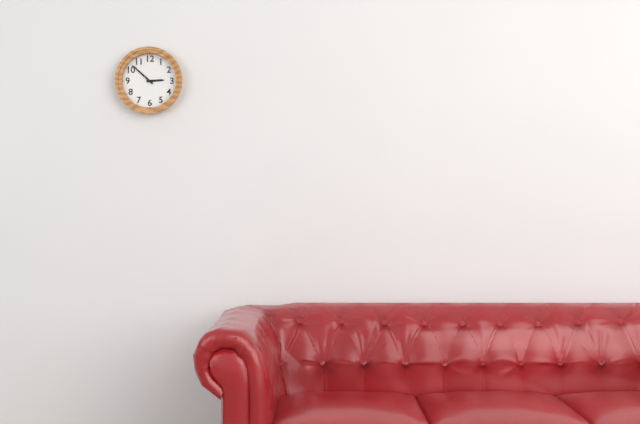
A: 2 h 52 min
